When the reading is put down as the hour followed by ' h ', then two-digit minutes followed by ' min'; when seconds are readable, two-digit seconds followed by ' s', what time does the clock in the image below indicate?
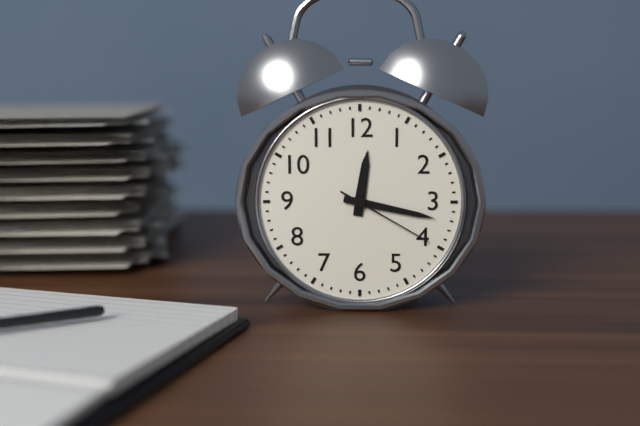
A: 12 h 17 min 20 s
